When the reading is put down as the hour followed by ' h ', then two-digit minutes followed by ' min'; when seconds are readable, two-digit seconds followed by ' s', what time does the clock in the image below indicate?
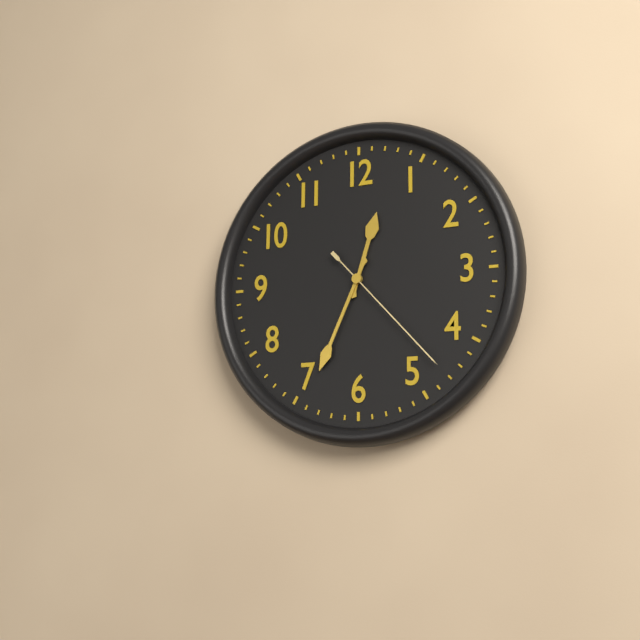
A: 12 h 34 min 23 s
